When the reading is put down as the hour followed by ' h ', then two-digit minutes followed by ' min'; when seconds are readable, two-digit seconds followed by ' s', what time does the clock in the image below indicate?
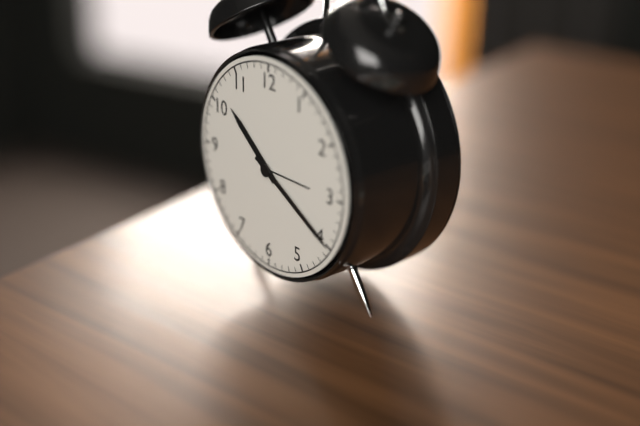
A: 10 h 20 min
